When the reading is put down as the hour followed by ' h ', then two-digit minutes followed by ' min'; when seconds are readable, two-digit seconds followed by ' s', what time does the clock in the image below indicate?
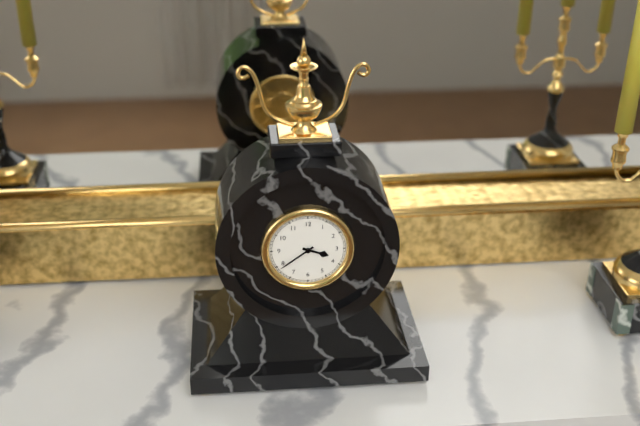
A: 3 h 39 min
